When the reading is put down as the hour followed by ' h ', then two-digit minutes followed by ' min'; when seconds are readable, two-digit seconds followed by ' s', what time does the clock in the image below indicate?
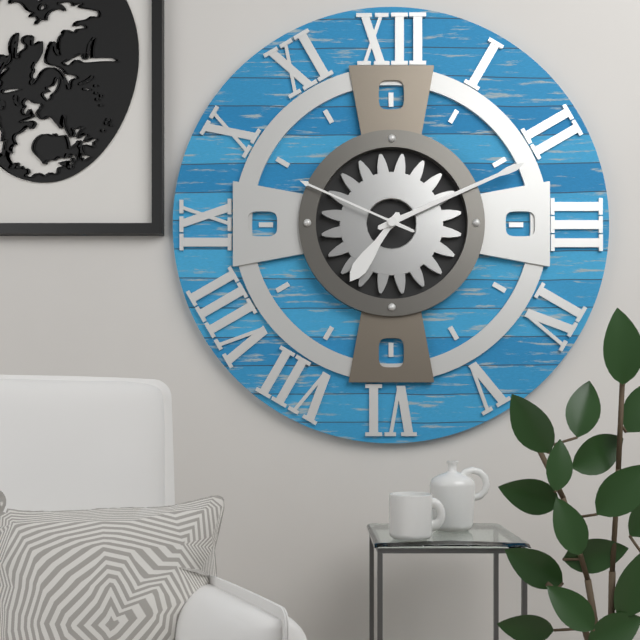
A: 7 h 11 min 49 s
